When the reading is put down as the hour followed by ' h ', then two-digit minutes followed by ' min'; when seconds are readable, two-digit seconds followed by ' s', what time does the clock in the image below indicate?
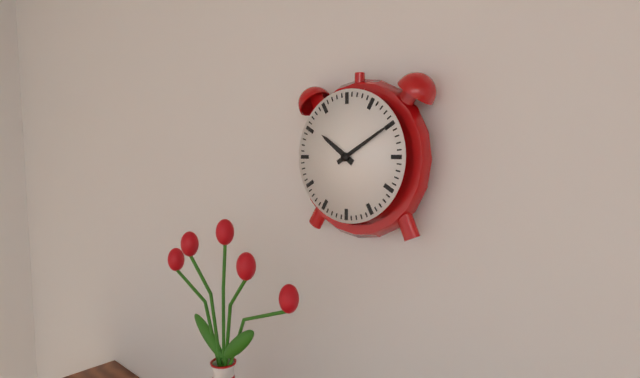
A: 10 h 10 min
